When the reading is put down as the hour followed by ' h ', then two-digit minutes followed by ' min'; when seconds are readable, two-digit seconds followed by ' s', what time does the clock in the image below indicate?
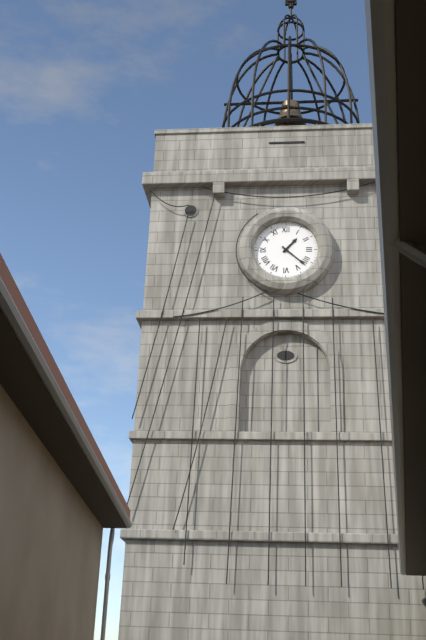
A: 1 h 22 min
